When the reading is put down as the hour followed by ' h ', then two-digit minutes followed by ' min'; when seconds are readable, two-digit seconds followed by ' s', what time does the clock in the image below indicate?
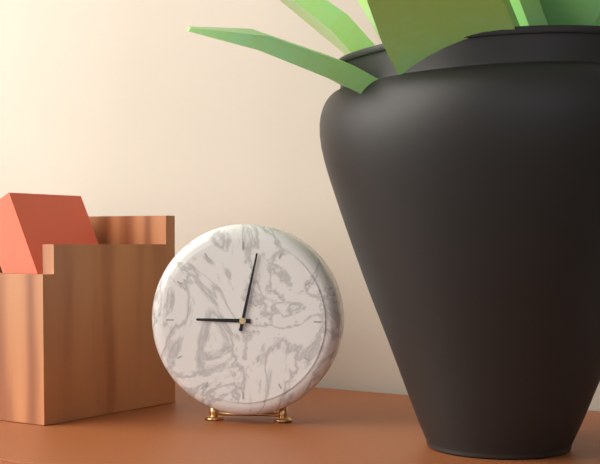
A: 9 h 02 min
